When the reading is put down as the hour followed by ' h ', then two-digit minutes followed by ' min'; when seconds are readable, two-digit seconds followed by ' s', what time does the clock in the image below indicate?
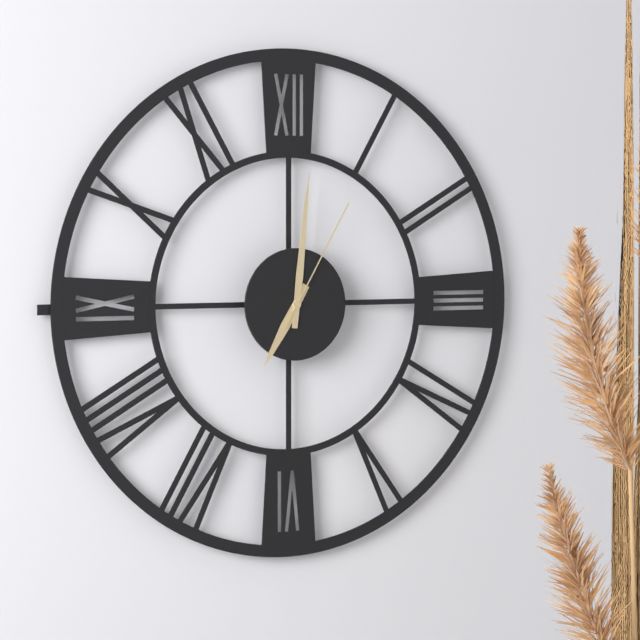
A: 7 h 01 min 05 s
